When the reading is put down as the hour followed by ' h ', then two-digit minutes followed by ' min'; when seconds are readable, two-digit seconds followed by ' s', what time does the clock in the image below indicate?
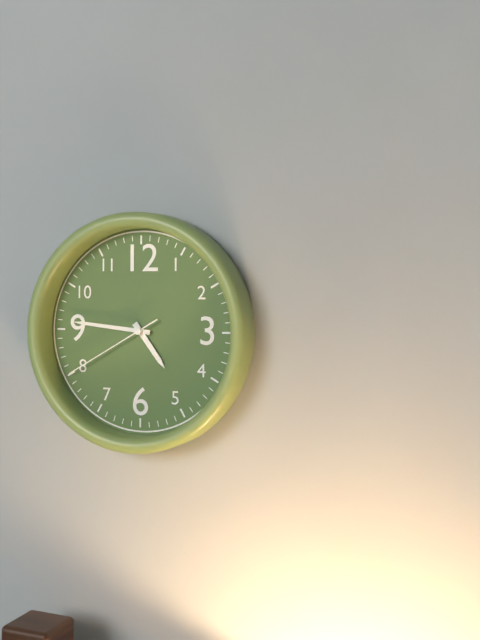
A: 4 h 46 min 40 s
